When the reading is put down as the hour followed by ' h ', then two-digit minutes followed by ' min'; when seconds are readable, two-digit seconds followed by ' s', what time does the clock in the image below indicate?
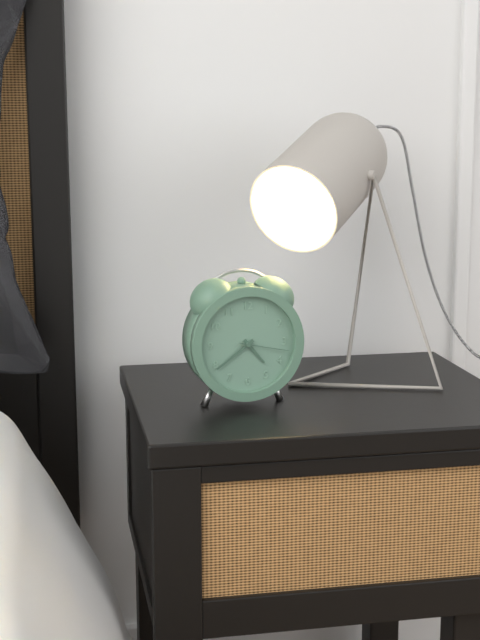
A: 4 h 39 min 17 s
